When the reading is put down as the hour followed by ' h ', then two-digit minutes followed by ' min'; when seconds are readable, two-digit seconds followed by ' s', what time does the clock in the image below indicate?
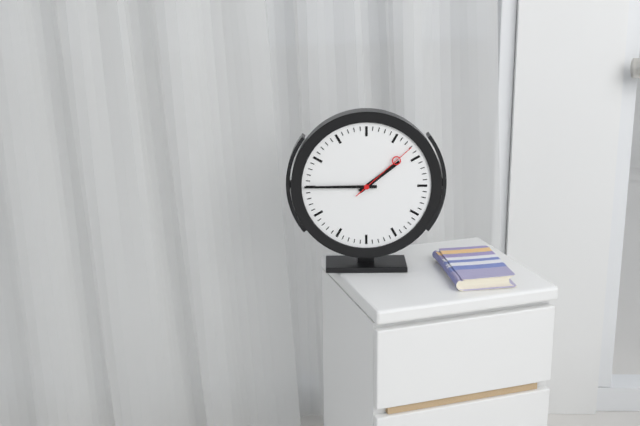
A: 1 h 45 min 08 s
